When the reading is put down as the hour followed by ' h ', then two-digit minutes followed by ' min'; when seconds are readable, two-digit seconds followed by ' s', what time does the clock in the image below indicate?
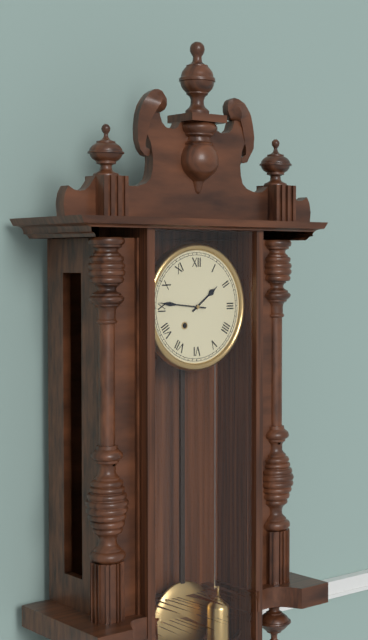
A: 1 h 46 min
